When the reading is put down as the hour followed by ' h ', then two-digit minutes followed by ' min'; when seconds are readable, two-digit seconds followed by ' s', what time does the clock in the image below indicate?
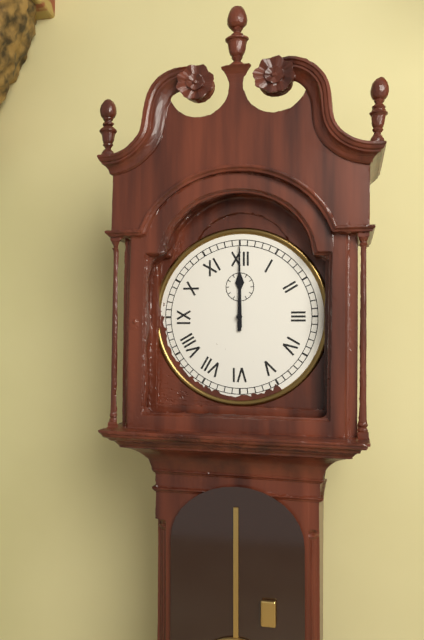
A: 12 h 00 min
